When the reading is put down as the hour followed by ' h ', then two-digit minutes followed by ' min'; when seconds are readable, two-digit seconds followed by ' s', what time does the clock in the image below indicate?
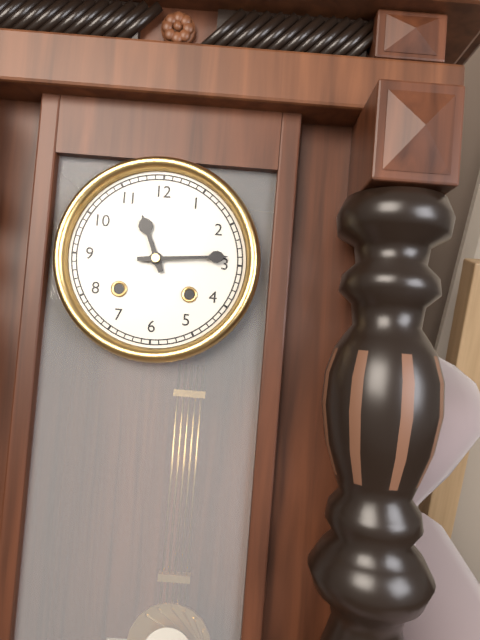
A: 11 h 14 min
